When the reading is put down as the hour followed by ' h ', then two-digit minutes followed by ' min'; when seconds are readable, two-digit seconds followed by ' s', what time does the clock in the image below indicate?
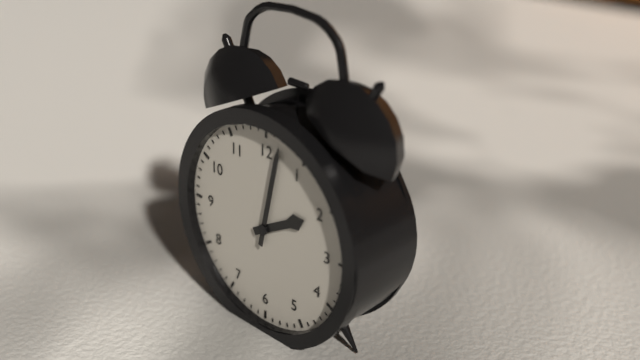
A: 2 h 02 min
